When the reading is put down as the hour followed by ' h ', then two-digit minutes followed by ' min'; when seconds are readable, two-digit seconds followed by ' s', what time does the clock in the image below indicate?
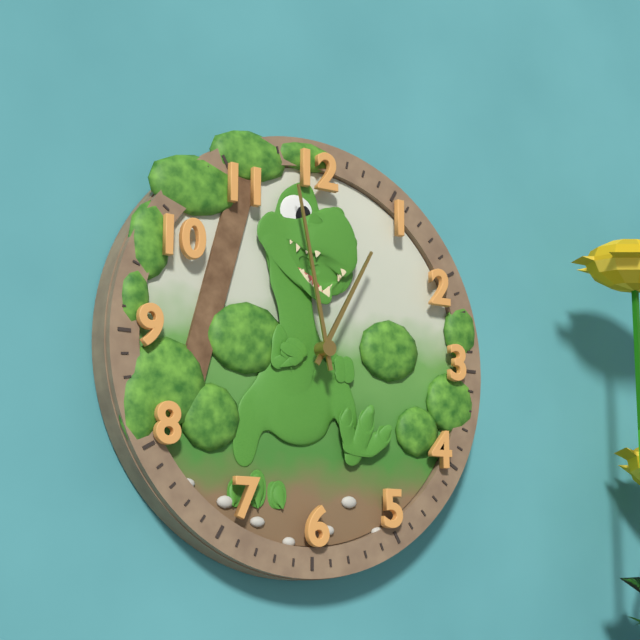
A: 12 h 58 min
